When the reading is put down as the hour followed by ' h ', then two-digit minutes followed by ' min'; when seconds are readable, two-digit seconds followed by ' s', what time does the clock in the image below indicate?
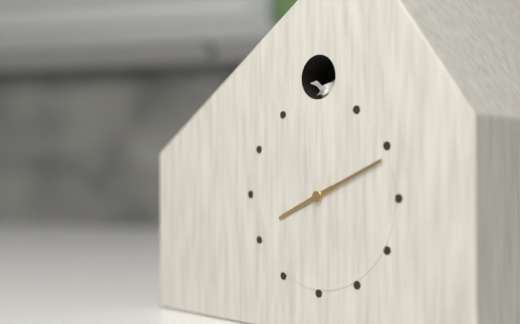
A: 8 h 11 min
